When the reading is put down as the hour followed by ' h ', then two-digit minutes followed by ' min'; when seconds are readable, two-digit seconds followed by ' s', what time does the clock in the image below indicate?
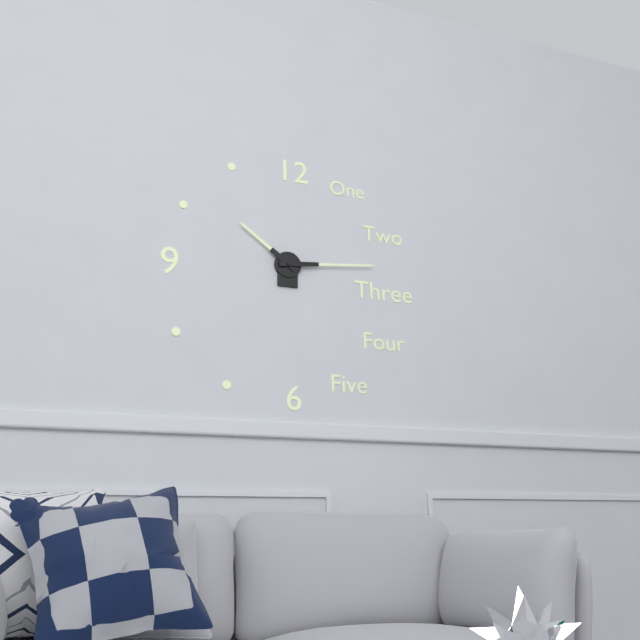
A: 10 h 14 min
